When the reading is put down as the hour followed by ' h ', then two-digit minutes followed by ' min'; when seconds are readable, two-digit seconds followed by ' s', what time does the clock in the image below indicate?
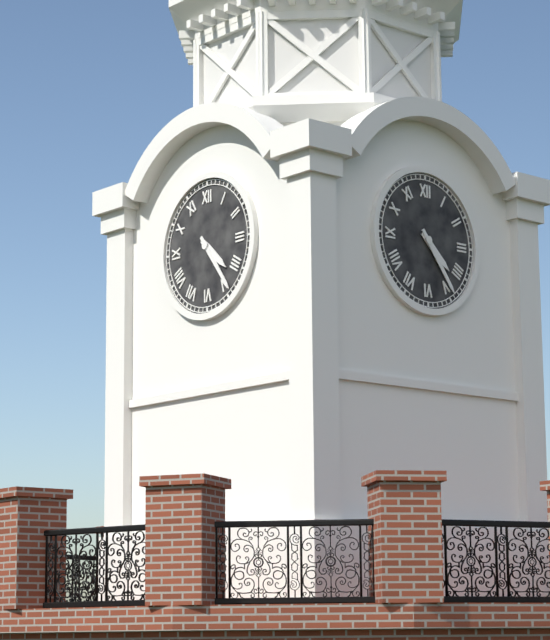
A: 4 h 24 min
